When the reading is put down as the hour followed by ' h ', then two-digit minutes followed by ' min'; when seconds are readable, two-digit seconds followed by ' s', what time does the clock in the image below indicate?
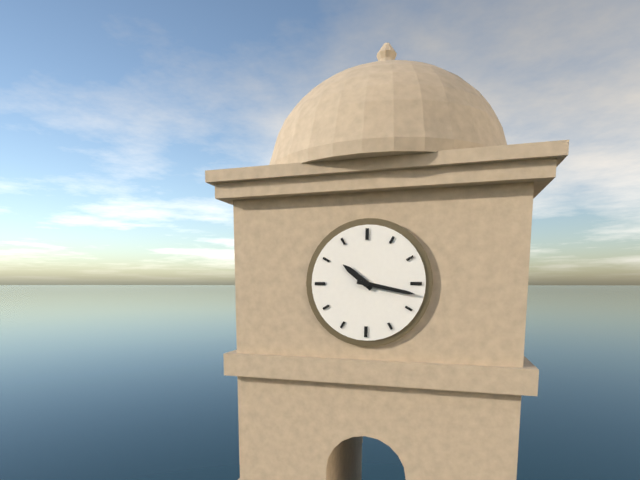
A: 10 h 17 min
